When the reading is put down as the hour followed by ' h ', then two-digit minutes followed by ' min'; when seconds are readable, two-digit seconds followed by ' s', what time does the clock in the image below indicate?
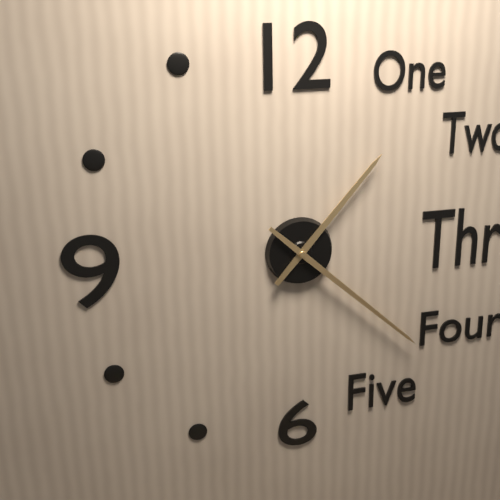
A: 1 h 22 min
